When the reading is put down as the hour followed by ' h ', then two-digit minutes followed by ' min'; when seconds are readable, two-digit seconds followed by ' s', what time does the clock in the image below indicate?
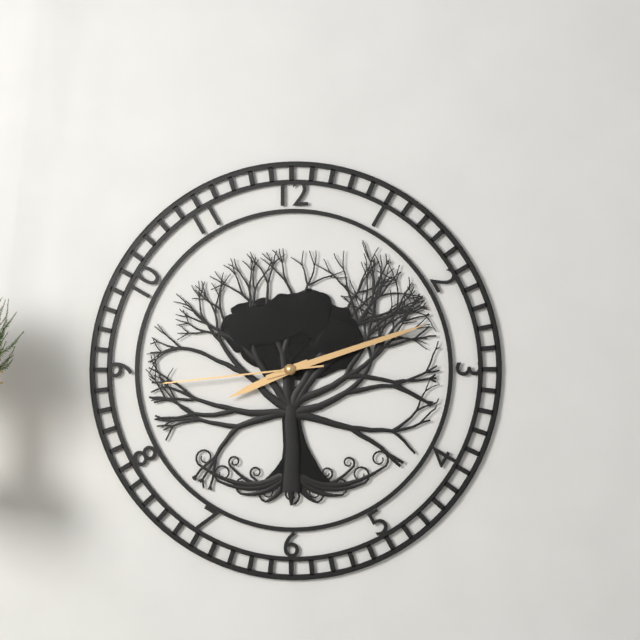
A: 8 h 12 min 44 s
